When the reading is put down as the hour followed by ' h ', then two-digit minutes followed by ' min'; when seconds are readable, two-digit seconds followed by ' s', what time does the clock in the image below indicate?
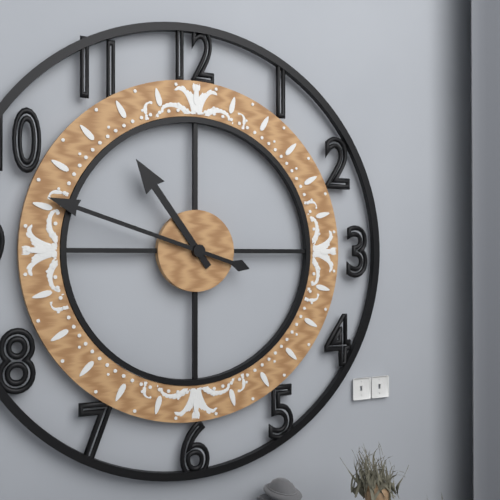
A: 10 h 48 min
